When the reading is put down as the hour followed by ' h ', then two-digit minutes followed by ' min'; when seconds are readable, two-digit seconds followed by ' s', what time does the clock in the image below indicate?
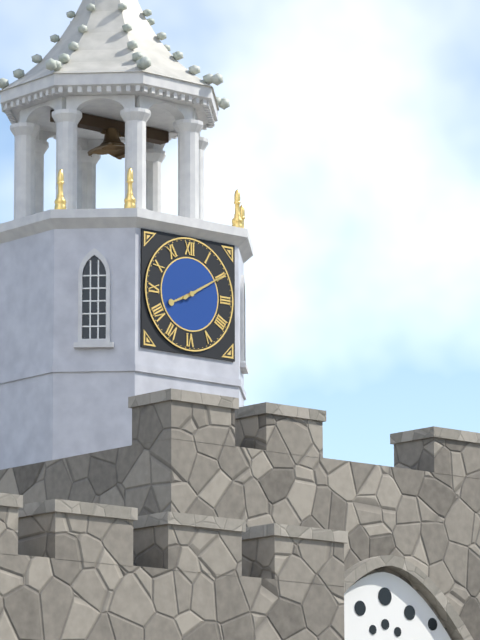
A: 8 h 10 min
